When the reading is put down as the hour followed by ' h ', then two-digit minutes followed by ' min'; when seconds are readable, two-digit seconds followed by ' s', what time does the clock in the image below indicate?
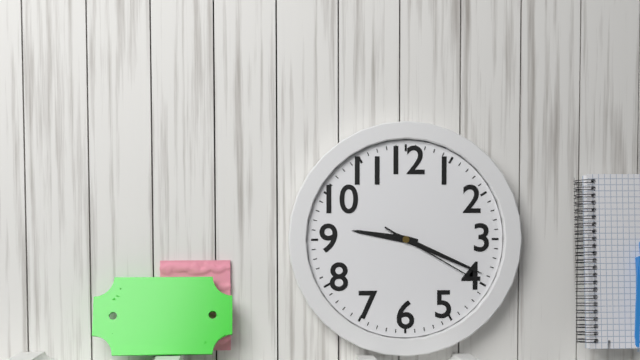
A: 9 h 19 min 20 s
